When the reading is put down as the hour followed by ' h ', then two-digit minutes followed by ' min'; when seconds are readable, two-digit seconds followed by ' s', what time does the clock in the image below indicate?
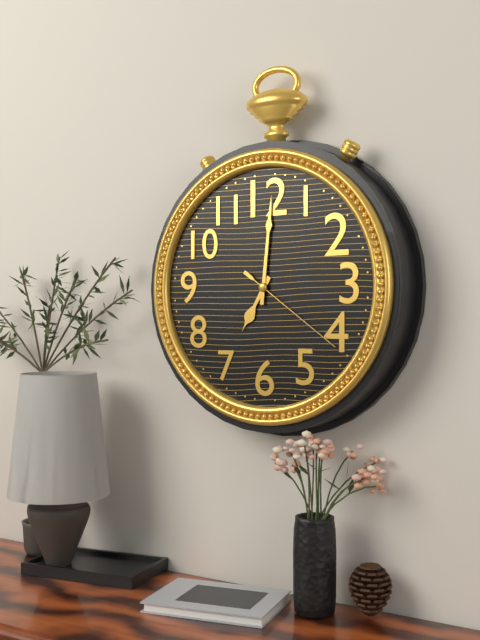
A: 7 h 01 min 21 s
